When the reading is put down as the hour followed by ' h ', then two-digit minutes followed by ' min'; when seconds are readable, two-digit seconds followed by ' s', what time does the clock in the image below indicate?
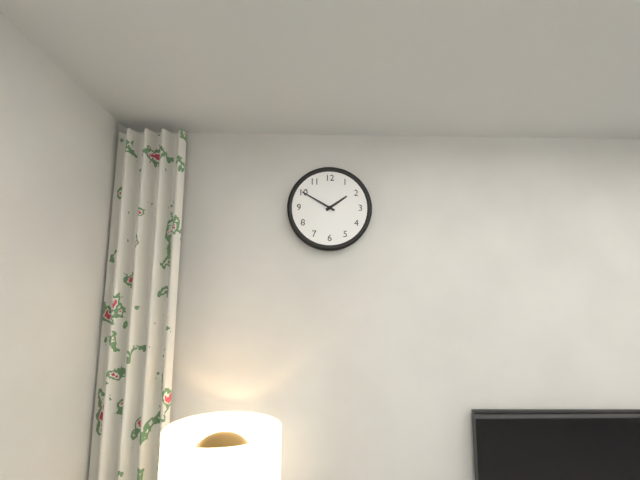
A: 1 h 50 min
